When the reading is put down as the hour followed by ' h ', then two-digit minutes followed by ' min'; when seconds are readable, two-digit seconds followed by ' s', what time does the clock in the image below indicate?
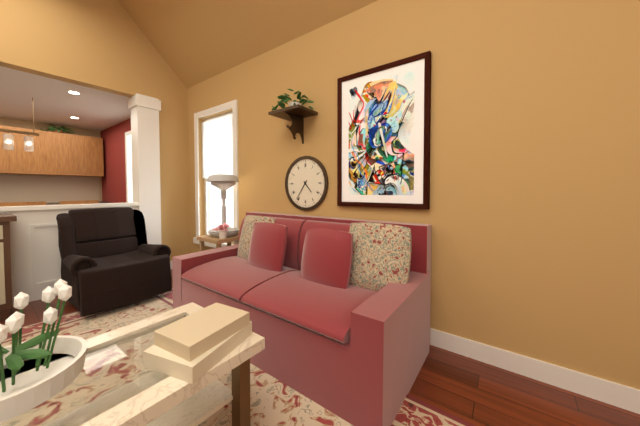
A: 4 h 36 min
